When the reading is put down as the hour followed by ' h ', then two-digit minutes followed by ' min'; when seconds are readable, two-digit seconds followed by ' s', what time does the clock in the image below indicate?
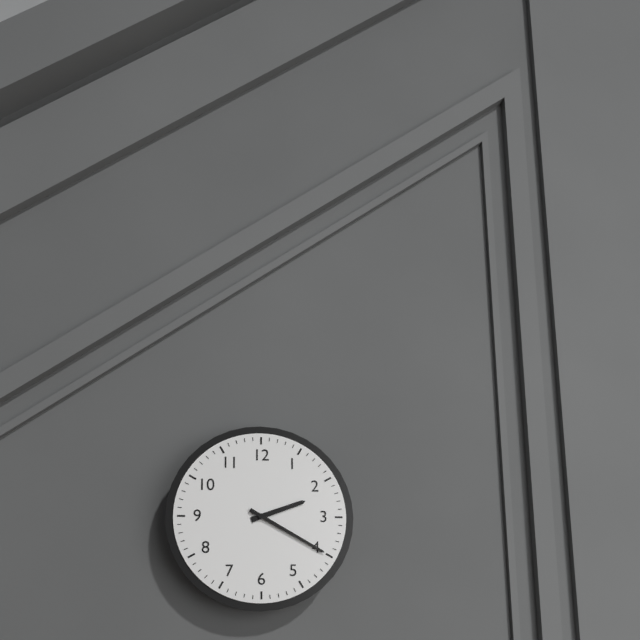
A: 2 h 20 min
